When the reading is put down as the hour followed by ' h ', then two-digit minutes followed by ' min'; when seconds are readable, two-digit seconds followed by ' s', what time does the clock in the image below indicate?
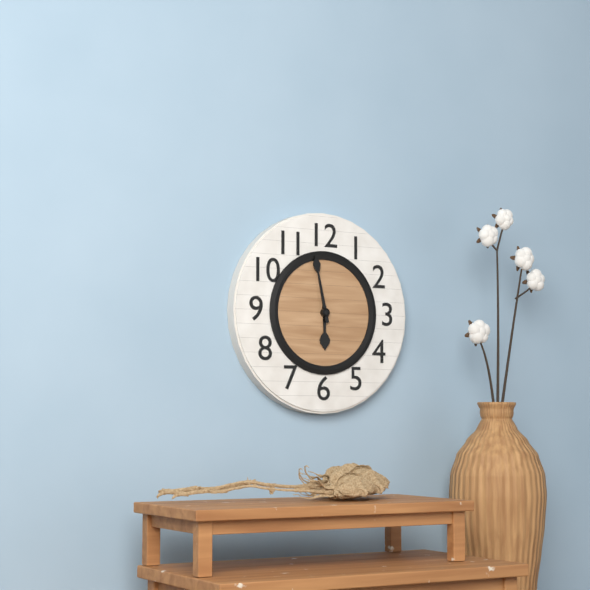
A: 5 h 58 min
